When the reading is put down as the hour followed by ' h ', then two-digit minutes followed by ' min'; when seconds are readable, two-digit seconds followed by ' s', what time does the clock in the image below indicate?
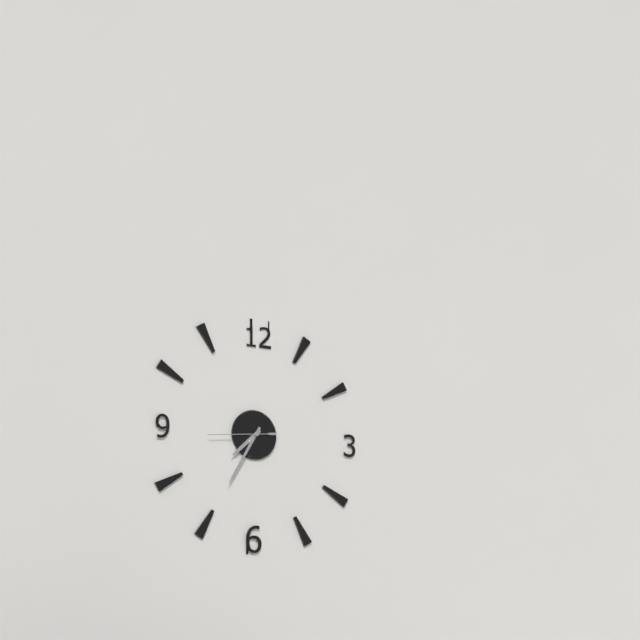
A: 7 h 35 min 44 s
